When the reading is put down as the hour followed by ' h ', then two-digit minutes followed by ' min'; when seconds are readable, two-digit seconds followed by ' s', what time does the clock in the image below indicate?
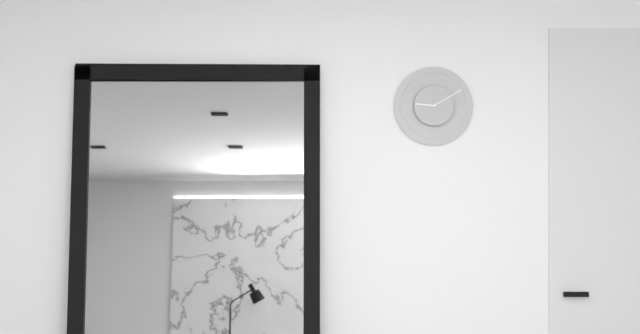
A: 9 h 10 min
